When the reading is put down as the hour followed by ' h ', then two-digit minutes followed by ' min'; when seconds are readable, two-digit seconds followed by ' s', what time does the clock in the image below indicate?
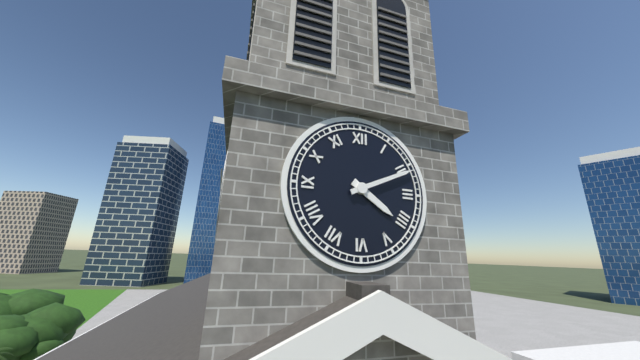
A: 4 h 11 min
